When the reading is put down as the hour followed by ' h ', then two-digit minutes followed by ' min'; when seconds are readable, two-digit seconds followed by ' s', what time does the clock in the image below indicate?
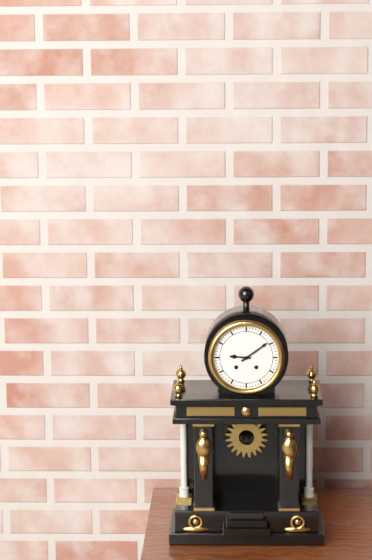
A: 9 h 09 min
